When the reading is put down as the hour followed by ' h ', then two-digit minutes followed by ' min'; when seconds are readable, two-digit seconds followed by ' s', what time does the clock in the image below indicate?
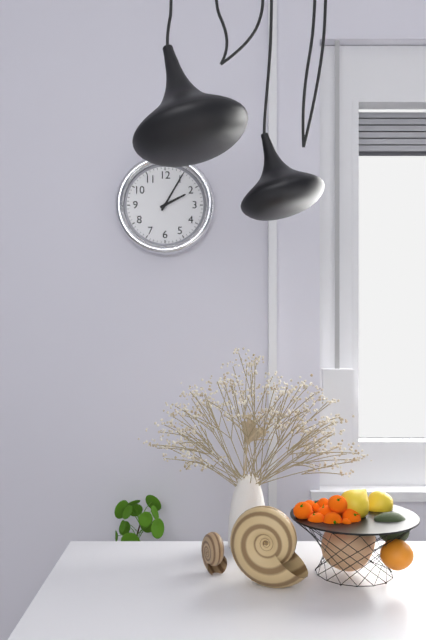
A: 2 h 05 min
